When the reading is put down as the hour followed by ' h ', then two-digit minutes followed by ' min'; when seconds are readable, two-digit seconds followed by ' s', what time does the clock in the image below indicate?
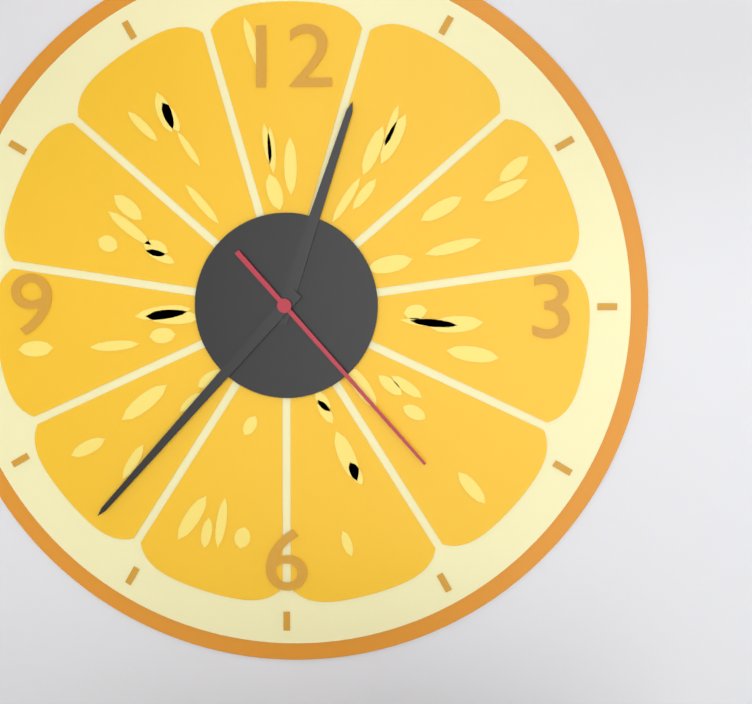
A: 12 h 37 min 23 s
